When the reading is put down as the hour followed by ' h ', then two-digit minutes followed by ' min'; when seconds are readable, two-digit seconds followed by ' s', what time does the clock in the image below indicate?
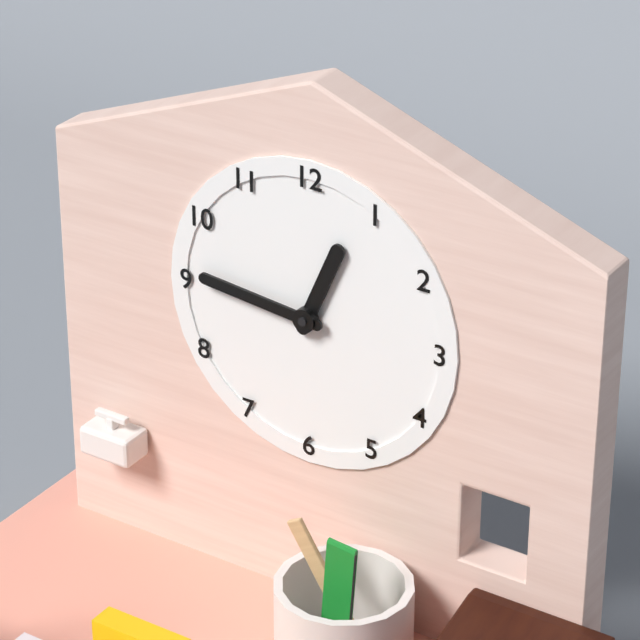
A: 12 h 46 min
